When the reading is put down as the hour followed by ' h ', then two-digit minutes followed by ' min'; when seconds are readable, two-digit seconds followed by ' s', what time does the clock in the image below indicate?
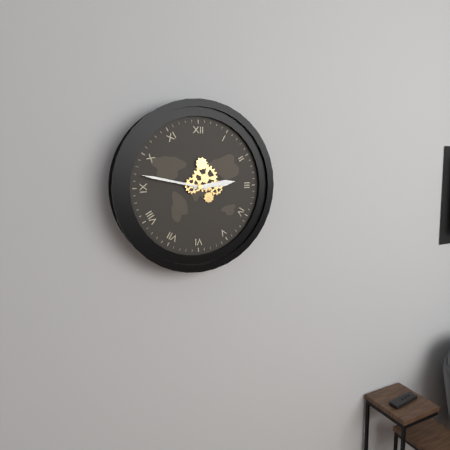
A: 2 h 47 min
